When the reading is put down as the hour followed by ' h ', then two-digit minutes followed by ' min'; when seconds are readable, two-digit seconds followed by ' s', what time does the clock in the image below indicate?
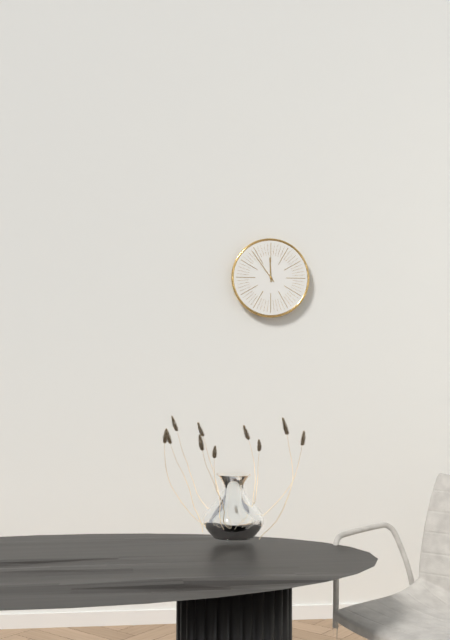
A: 11 h 54 min
